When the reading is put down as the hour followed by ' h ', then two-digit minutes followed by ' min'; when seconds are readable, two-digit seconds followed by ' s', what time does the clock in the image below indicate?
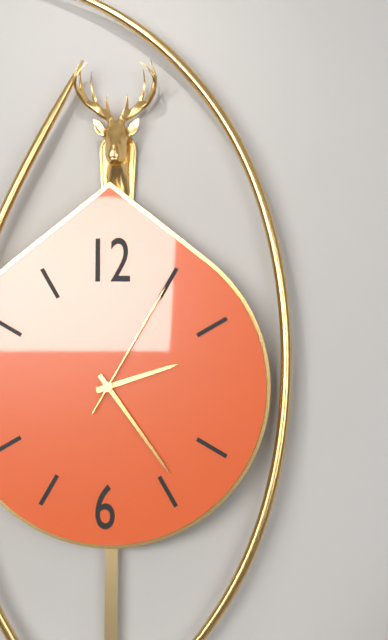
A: 2 h 24 min 05 s
